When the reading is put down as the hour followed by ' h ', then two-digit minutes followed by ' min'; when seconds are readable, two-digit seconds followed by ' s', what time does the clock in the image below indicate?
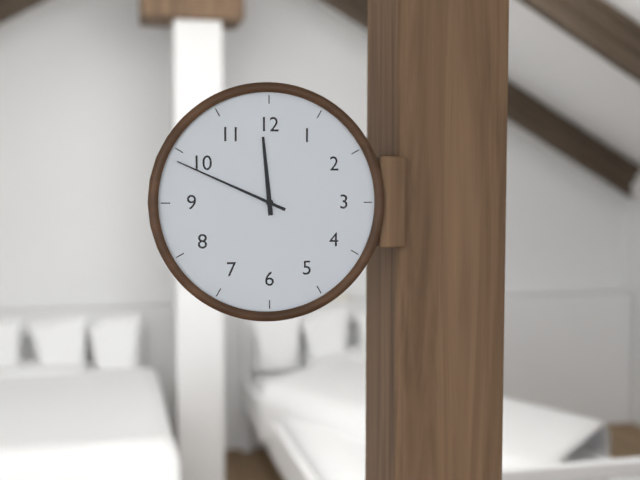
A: 11 h 49 min
